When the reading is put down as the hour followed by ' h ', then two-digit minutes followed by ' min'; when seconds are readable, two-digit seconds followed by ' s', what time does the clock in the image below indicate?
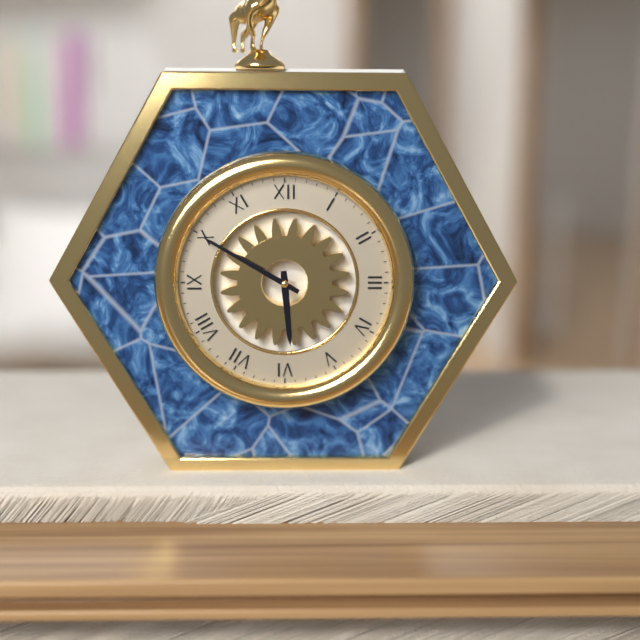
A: 5 h 50 min
